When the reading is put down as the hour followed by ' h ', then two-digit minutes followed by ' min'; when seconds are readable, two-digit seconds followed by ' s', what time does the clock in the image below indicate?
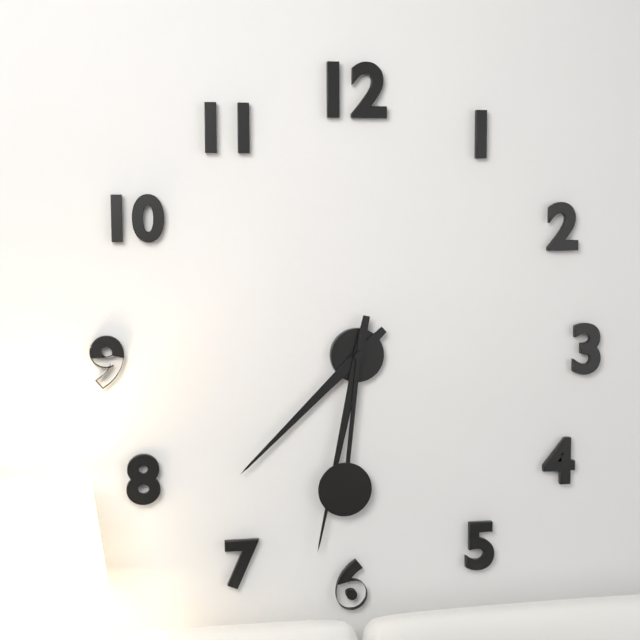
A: 7 h 32 min 31 s
